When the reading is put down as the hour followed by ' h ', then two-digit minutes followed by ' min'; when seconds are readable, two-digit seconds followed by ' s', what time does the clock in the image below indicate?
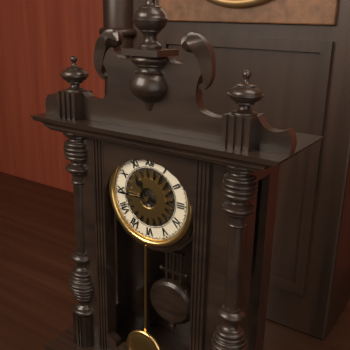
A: 10 h 45 min
